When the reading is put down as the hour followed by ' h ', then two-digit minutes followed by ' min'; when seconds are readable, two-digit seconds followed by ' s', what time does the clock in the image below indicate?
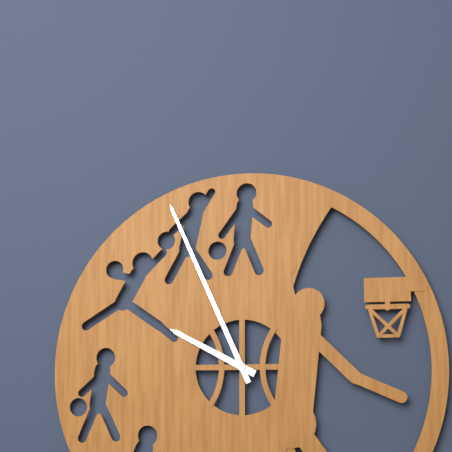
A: 9 h 56 min
